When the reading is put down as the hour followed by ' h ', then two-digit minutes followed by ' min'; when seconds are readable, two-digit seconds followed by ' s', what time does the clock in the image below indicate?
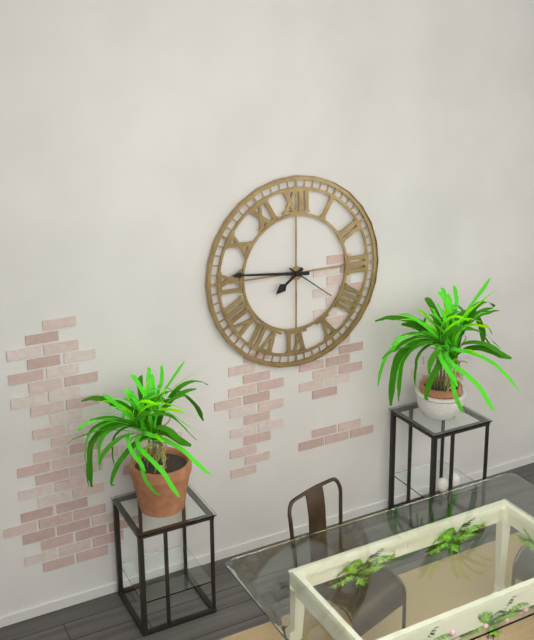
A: 7 h 46 min 21 s
